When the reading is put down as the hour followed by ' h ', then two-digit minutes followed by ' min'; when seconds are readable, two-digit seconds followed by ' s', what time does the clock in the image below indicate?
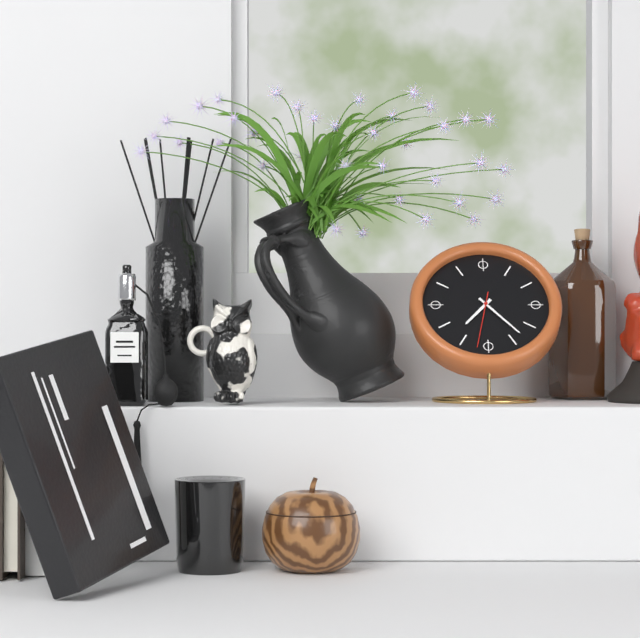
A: 7 h 23 min 32 s
